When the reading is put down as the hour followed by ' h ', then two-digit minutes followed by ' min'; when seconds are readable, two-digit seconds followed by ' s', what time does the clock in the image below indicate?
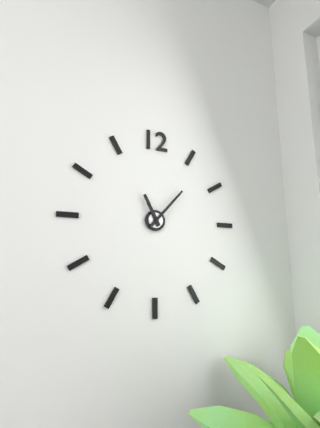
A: 11 h 07 min
